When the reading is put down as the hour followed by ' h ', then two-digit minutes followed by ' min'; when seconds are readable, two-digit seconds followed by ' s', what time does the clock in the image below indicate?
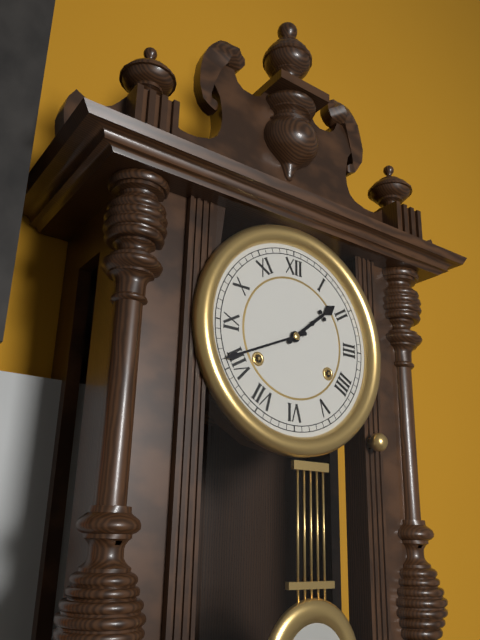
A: 1 h 41 min
